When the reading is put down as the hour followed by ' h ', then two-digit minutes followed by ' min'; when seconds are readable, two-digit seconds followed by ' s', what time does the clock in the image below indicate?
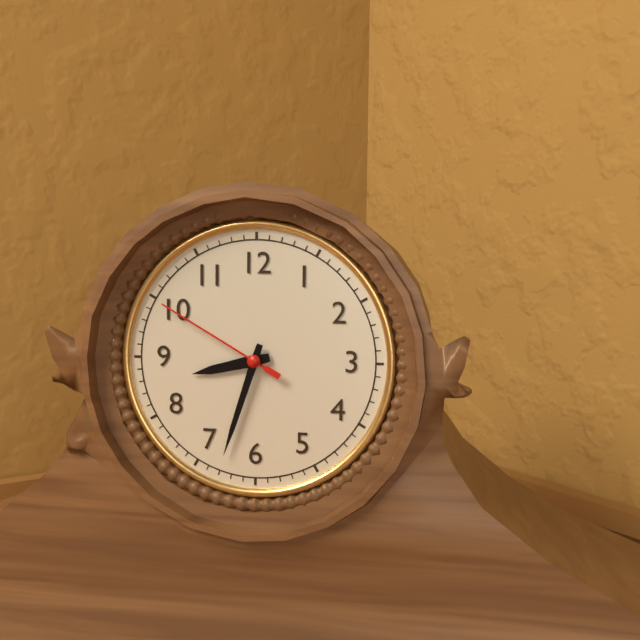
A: 8 h 33 min 50 s
